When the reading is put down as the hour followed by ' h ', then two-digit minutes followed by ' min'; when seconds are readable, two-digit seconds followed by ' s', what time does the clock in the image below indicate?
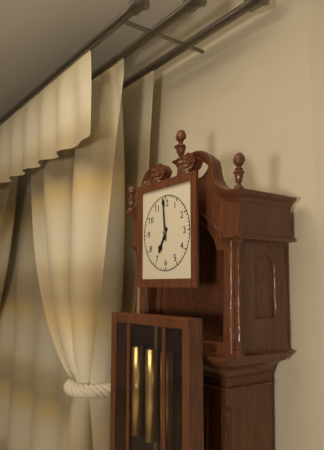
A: 6 h 59 min
